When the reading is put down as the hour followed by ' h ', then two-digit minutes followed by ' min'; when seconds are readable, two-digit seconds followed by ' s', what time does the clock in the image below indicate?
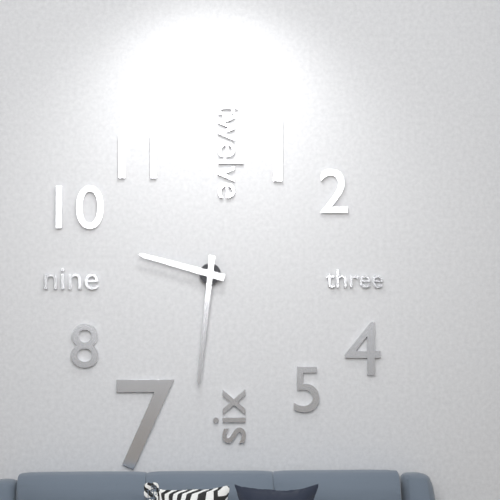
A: 9 h 31 min
